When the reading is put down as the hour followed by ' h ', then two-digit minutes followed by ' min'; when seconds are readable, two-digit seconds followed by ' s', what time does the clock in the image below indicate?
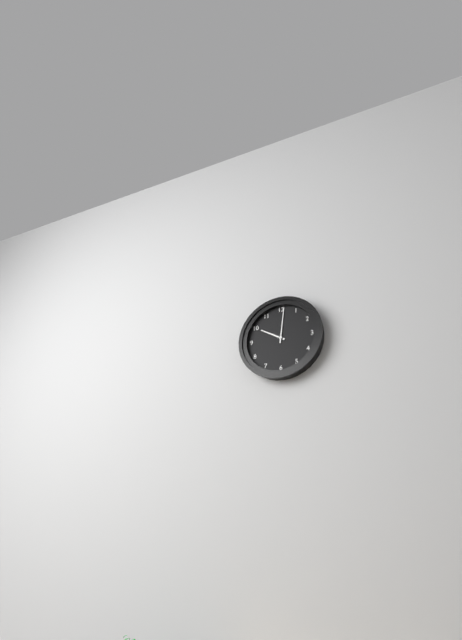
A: 10 h 01 min
